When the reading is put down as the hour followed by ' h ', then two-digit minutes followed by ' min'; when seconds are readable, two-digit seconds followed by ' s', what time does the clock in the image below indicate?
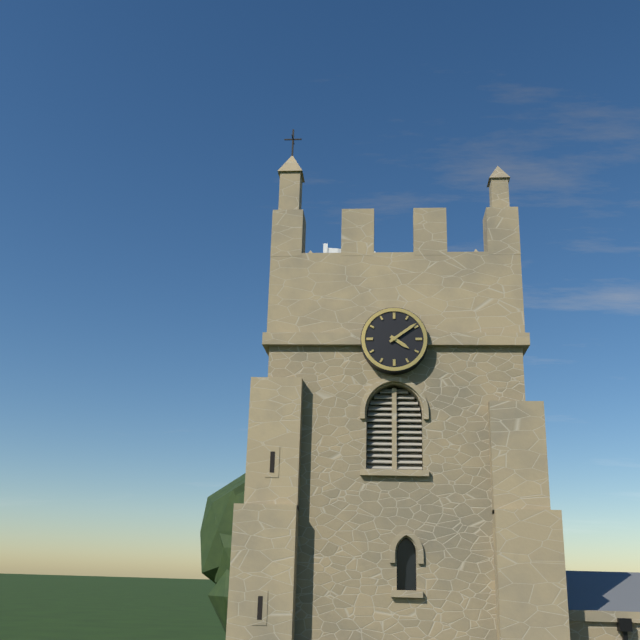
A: 4 h 09 min
